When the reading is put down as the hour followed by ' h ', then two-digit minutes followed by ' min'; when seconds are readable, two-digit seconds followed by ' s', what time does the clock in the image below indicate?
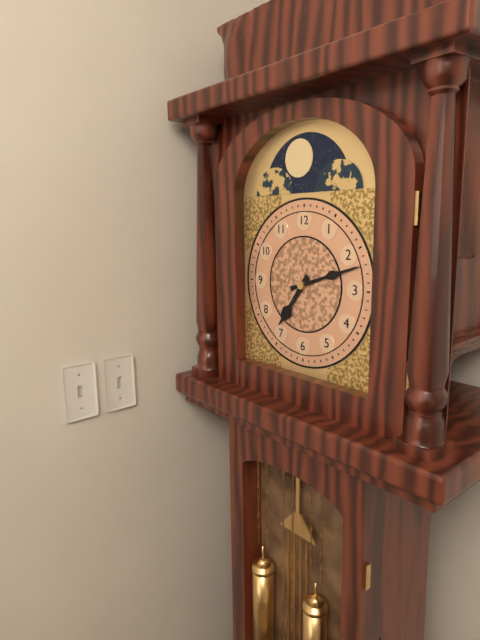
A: 7 h 12 min
